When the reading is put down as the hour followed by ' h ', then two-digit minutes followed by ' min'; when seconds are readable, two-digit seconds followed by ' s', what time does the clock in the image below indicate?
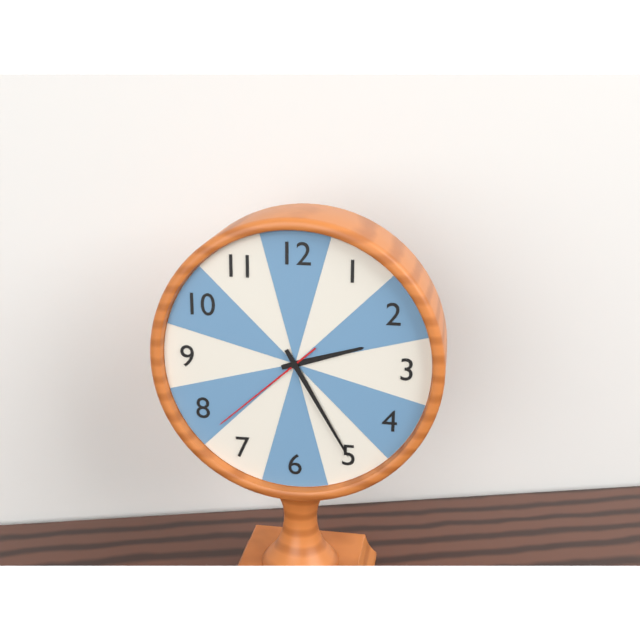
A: 2 h 25 min 38 s
